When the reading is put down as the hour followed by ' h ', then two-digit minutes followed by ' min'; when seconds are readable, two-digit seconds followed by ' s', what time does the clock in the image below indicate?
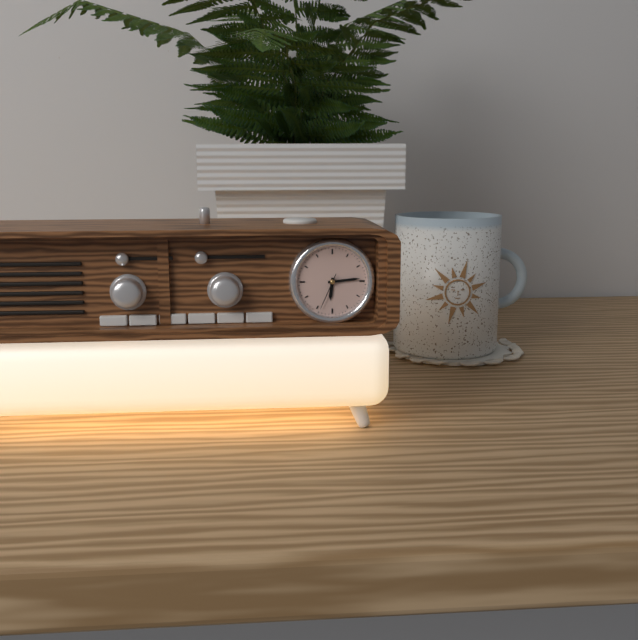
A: 6 h 14 min
